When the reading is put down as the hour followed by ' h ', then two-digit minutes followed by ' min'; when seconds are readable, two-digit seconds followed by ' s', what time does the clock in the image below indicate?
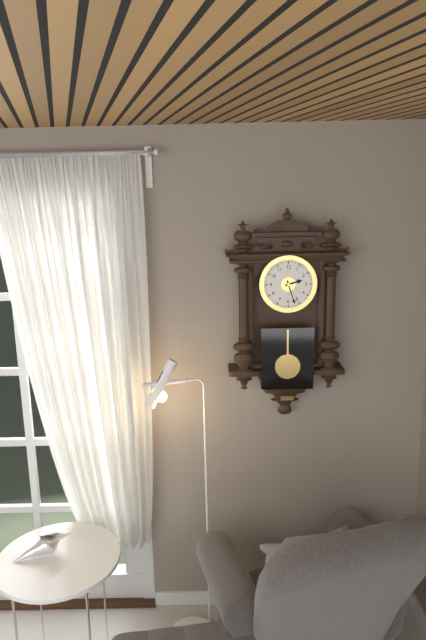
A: 2 h 27 min
